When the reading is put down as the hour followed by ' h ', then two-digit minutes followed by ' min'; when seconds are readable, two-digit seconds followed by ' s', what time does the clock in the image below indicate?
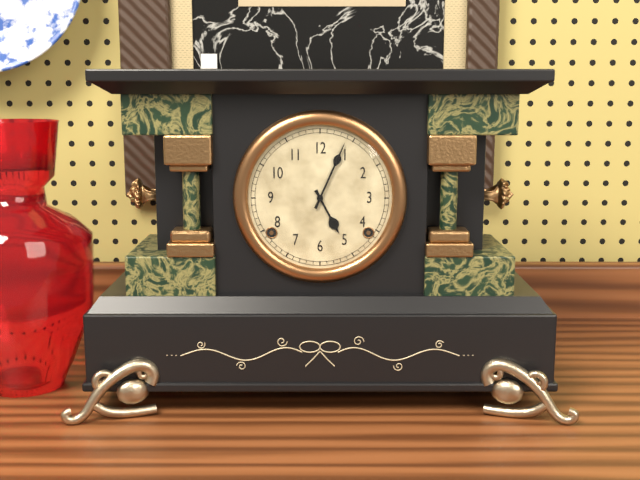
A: 5 h 04 min
